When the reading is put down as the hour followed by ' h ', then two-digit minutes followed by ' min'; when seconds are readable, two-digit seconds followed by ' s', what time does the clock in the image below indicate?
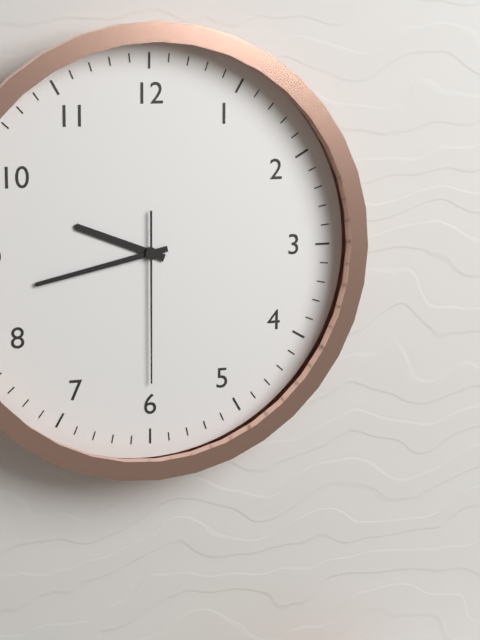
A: 9 h 43 min 30 s
